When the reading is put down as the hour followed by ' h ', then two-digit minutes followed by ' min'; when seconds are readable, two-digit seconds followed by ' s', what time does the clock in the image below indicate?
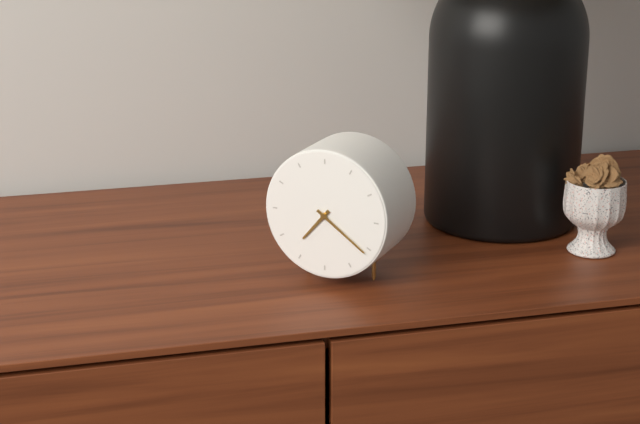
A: 7 h 21 min
